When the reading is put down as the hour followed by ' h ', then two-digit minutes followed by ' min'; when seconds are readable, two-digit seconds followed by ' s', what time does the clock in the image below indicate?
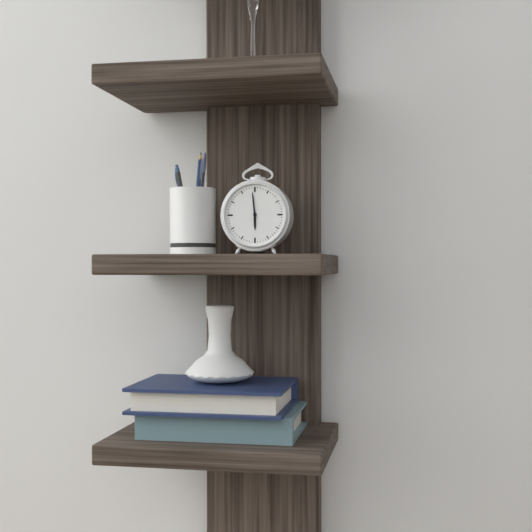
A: 5 h 59 min
